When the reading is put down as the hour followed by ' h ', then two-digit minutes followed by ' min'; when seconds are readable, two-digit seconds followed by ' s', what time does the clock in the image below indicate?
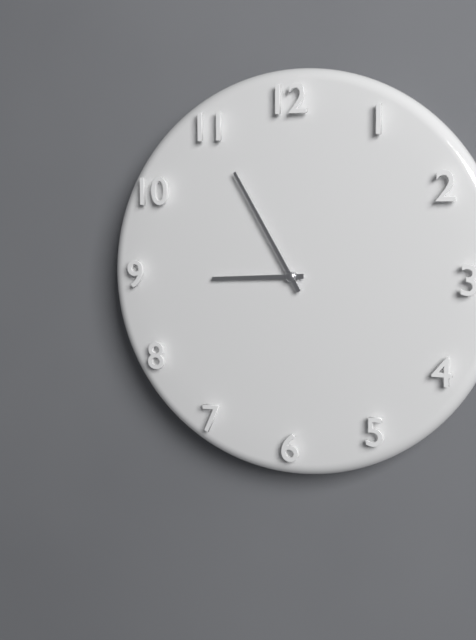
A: 8 h 55 min
